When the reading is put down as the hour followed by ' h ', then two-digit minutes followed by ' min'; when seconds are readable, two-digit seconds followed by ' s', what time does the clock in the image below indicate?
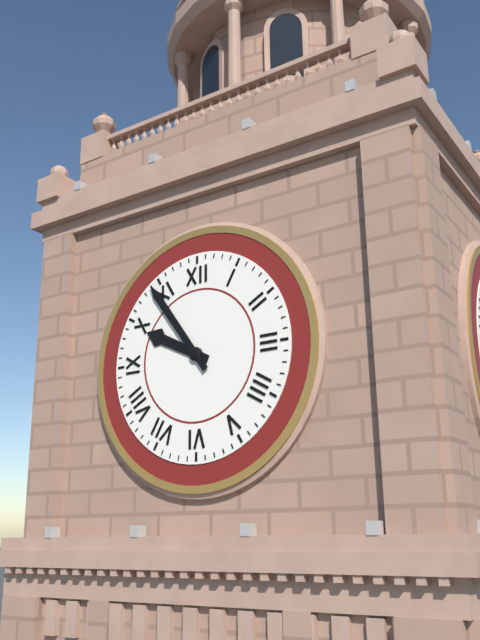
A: 9 h 54 min
